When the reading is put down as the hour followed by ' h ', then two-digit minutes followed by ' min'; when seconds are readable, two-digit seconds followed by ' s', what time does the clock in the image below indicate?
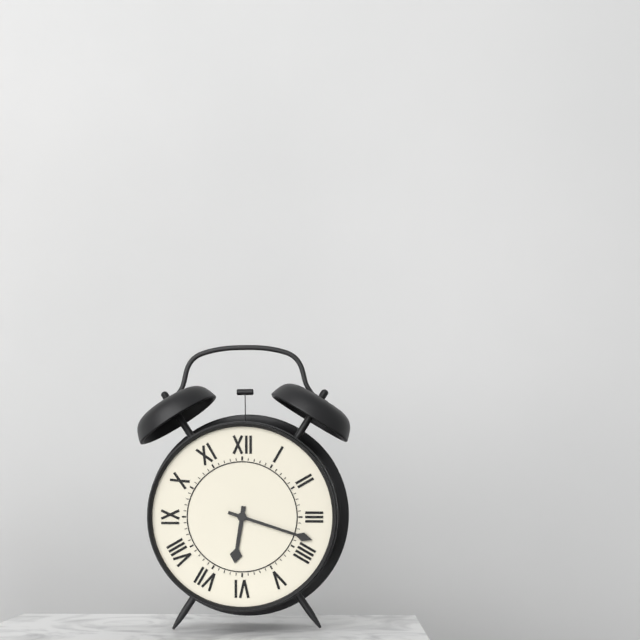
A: 6 h 18 min
